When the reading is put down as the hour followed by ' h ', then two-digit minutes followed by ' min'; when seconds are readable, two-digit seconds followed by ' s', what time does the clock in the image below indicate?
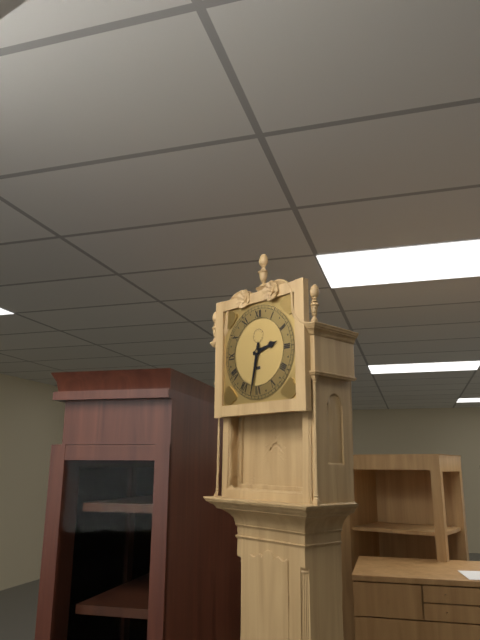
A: 2 h 32 min
